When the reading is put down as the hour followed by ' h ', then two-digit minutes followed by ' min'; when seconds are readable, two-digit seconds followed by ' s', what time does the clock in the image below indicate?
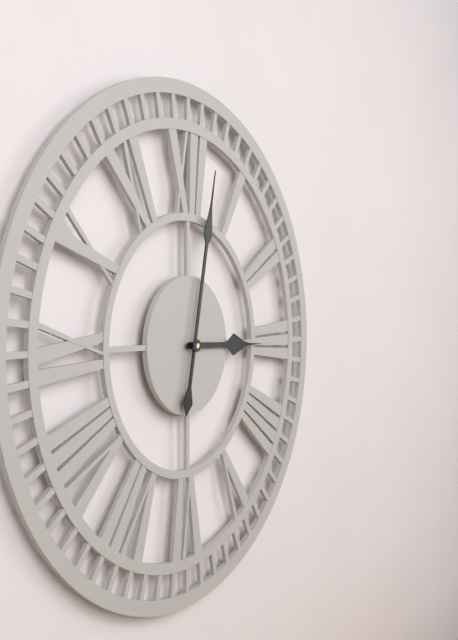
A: 3 h 02 min
